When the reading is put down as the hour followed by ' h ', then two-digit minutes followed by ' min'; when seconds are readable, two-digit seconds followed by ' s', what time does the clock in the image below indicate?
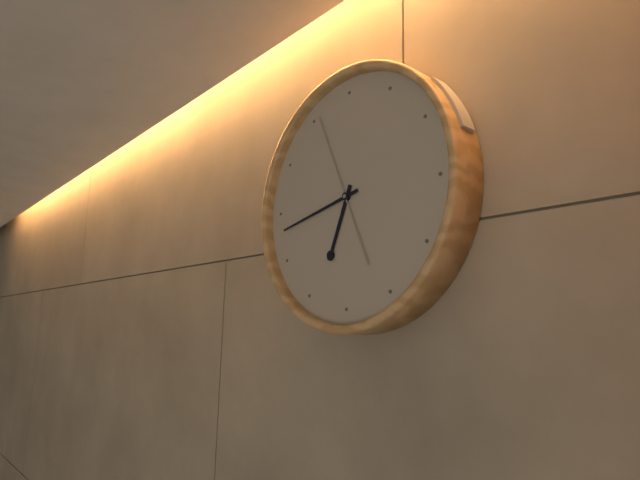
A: 6 h 43 min 56 s
